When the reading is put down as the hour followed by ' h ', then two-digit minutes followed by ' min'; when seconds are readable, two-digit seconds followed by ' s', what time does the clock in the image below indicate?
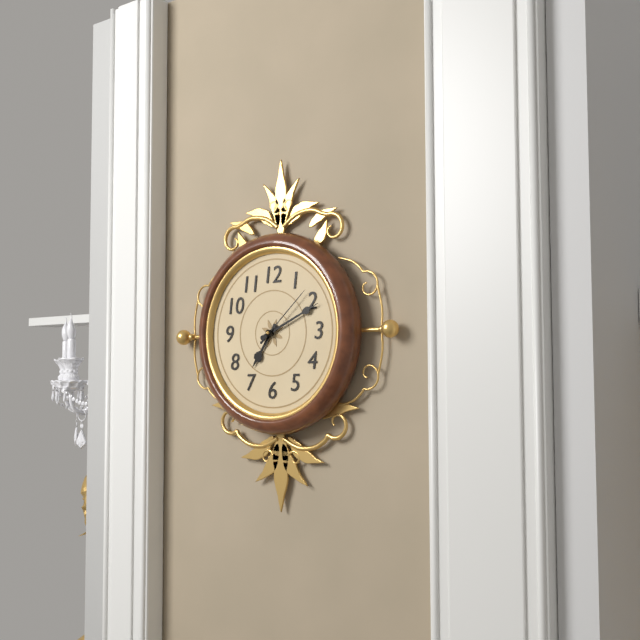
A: 7 h 11 min 08 s
